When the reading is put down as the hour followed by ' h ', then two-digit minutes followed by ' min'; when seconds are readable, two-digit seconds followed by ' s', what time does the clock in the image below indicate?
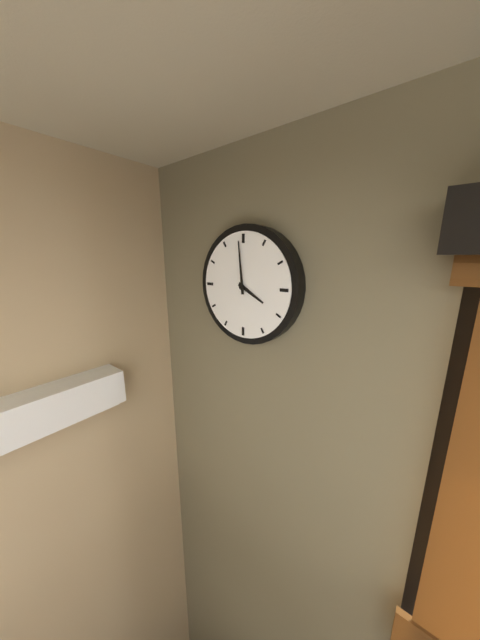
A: 3 h 59 min
